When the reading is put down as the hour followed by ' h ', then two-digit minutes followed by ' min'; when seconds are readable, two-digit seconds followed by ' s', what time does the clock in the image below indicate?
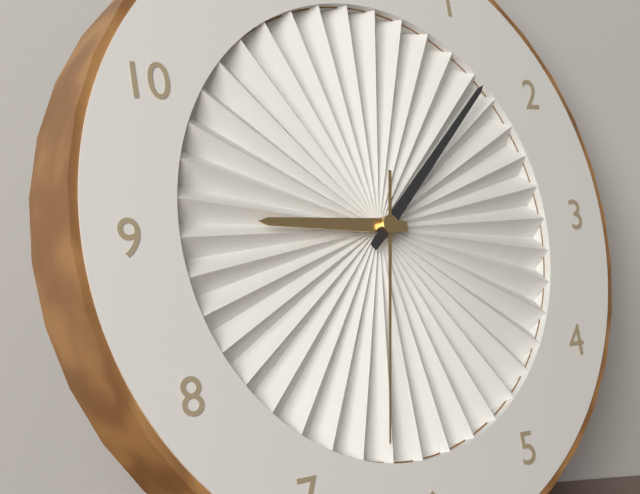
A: 9 h 08 min 32 s
